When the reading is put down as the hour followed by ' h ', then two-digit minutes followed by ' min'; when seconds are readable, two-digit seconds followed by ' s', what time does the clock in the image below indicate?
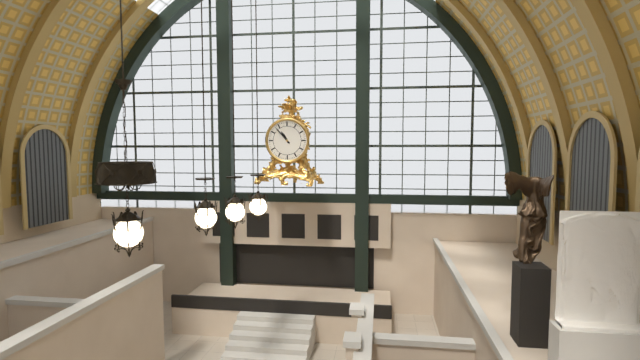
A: 10 h 53 min
